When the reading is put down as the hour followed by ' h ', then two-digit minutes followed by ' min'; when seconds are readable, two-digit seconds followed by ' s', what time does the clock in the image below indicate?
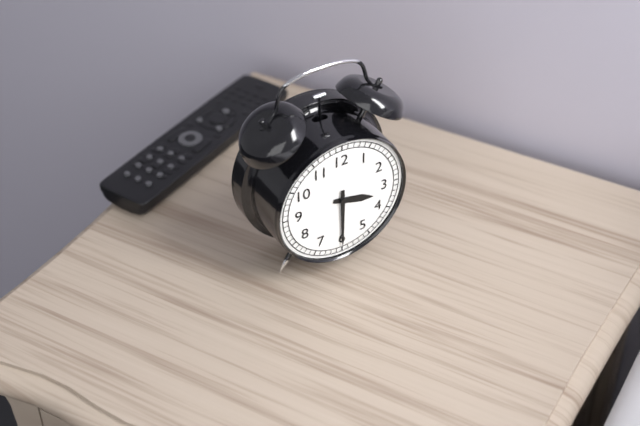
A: 3 h 30 min
